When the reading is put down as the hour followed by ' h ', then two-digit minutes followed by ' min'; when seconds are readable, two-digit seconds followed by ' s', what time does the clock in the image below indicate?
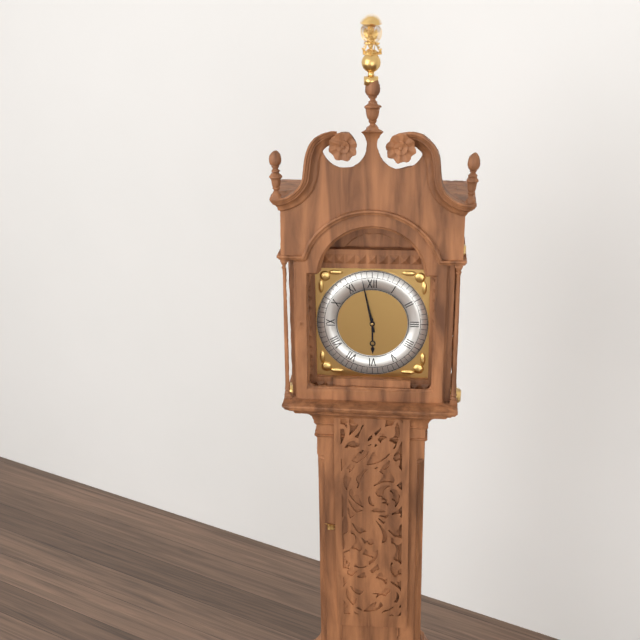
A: 5 h 58 min
